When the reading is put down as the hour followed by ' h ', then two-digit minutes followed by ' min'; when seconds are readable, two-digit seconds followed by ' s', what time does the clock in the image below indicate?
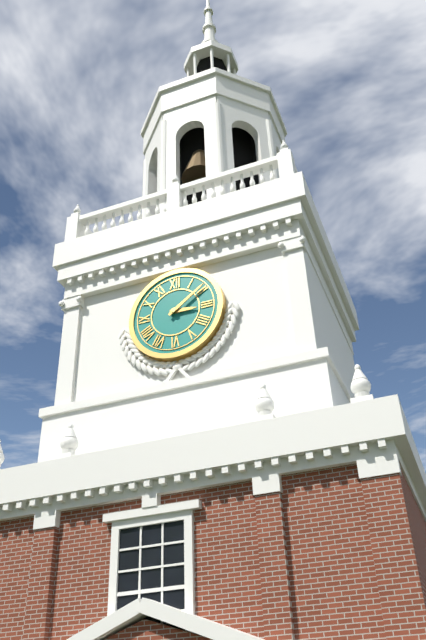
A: 3 h 09 min
